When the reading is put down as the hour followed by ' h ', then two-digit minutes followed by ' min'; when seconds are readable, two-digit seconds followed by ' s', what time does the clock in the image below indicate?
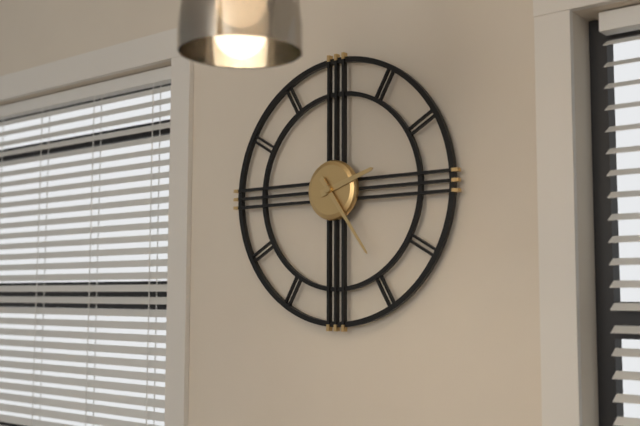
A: 2 h 24 min
